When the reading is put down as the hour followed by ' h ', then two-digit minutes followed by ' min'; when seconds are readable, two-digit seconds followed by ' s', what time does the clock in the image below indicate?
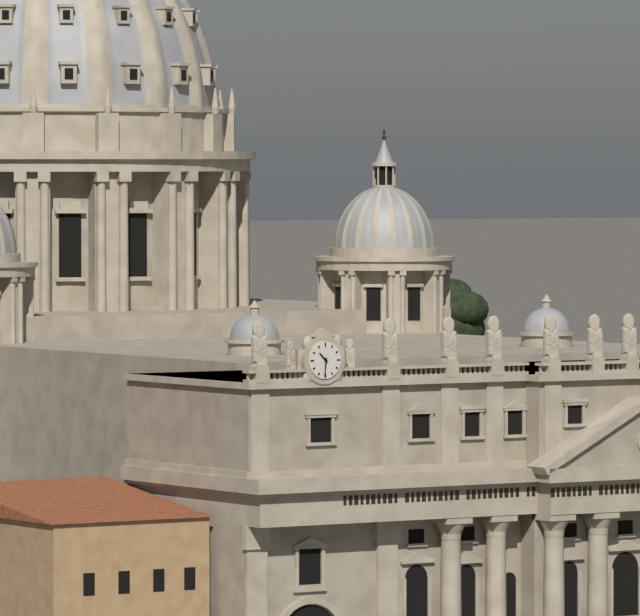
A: 10 h 31 min
